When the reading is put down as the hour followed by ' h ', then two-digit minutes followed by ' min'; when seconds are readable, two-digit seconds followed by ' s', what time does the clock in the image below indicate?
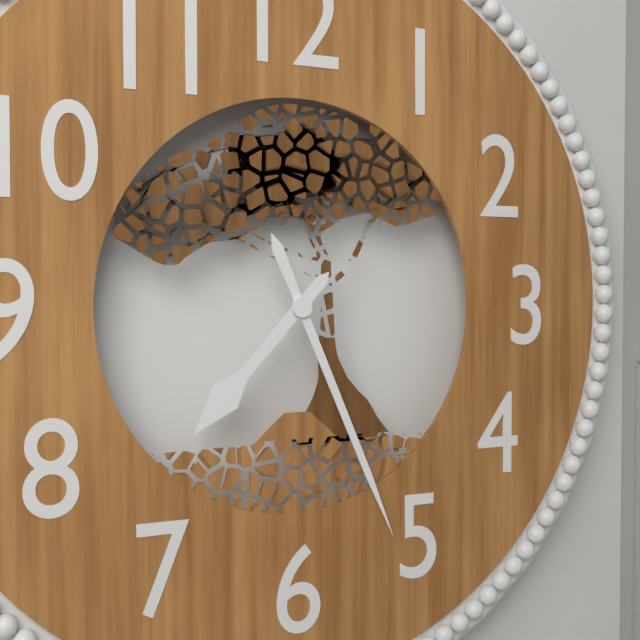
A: 7 h 26 min
